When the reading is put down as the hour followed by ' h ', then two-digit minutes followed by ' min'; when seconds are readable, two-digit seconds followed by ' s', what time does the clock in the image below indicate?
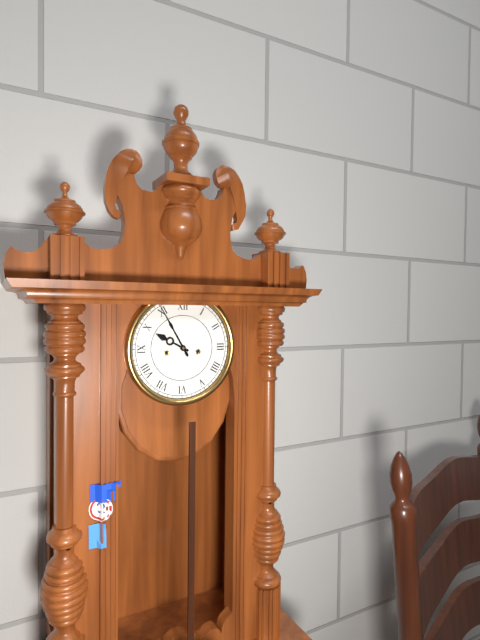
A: 9 h 55 min
